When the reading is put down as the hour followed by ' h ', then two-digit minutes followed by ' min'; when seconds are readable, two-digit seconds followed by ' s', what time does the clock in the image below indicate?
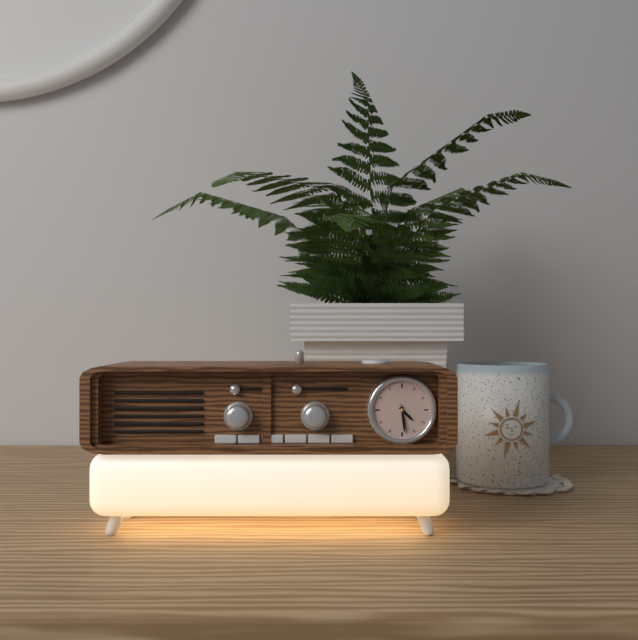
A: 4 h 29 min
